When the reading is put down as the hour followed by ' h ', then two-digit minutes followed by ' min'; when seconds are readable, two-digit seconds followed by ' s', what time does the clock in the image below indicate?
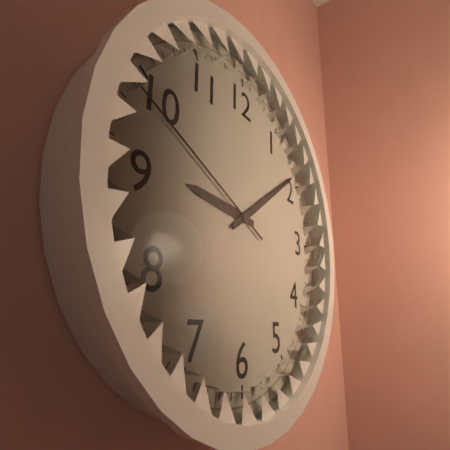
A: 9 h 09 min 49 s
